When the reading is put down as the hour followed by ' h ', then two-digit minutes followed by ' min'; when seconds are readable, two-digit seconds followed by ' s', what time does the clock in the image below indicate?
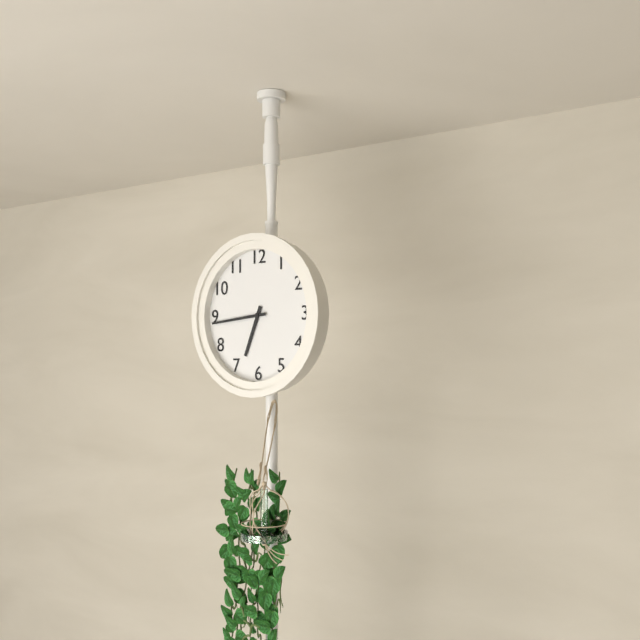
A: 6 h 44 min
